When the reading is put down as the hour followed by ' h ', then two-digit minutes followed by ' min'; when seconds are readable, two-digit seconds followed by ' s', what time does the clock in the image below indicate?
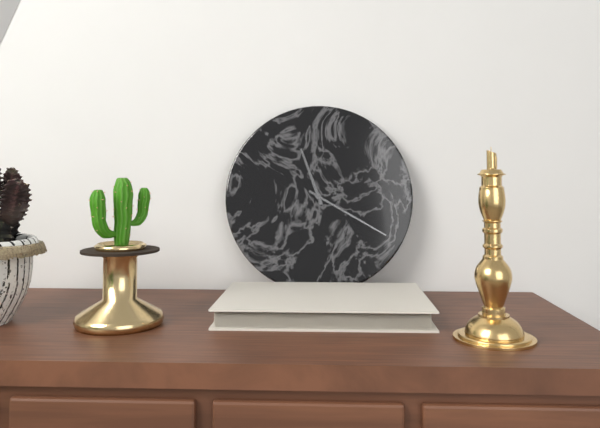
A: 11 h 20 min
